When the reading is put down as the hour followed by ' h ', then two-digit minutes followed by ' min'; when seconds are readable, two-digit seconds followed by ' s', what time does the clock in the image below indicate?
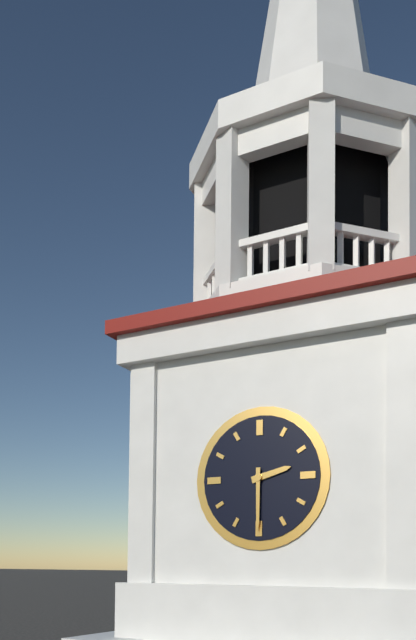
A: 2 h 30 min
